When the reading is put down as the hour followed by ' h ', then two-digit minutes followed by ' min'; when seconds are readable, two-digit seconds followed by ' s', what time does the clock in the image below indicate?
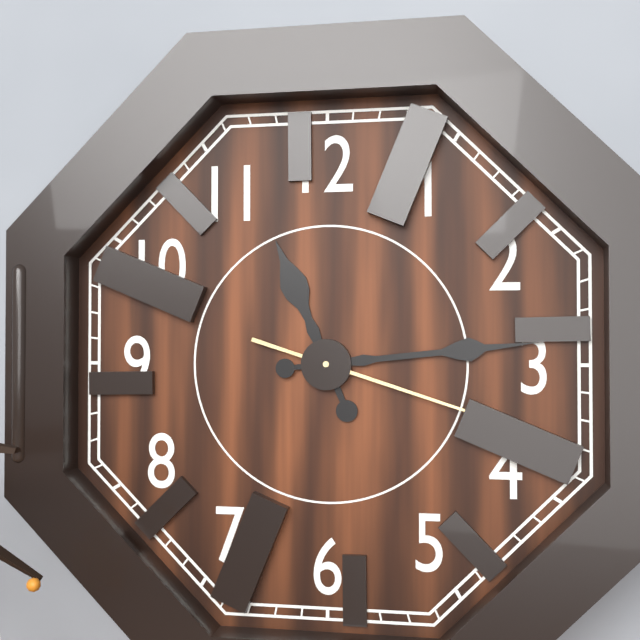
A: 11 h 14 min
